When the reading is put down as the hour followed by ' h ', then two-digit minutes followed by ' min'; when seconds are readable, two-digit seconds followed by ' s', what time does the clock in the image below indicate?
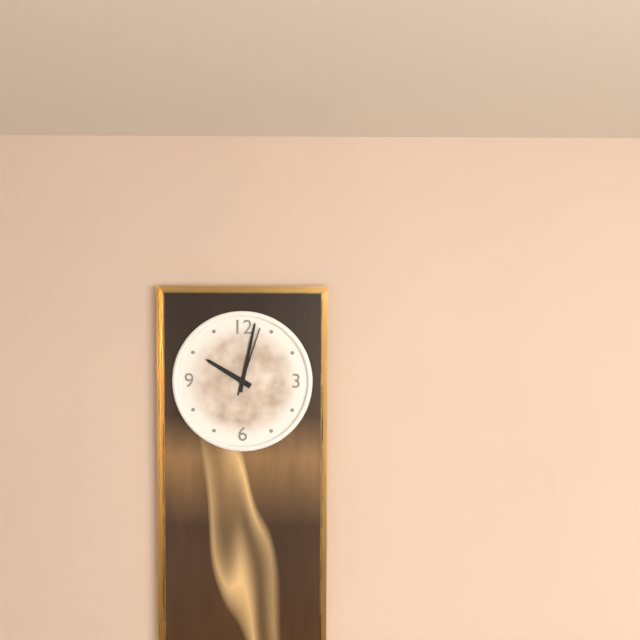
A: 10 h 02 min 03 s
